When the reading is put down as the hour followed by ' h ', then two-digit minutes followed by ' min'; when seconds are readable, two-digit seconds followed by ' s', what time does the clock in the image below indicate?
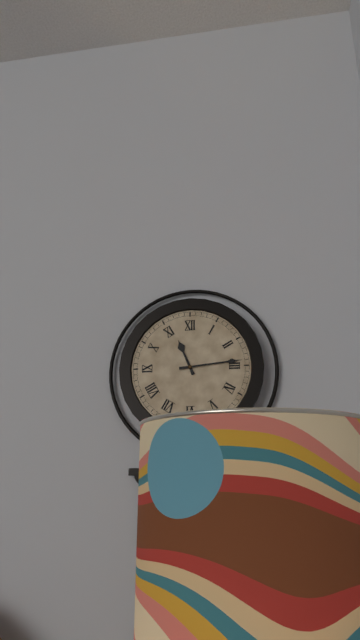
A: 11 h 14 min
